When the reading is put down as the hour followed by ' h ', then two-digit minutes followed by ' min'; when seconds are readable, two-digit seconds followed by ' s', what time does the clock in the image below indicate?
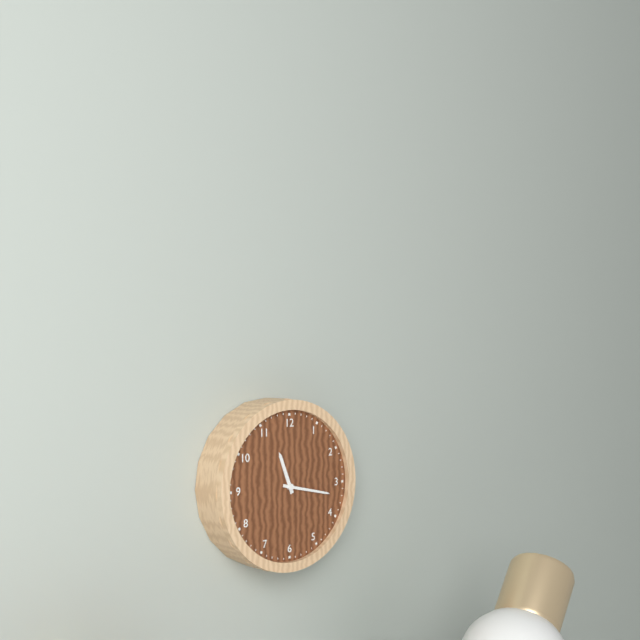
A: 11 h 17 min
